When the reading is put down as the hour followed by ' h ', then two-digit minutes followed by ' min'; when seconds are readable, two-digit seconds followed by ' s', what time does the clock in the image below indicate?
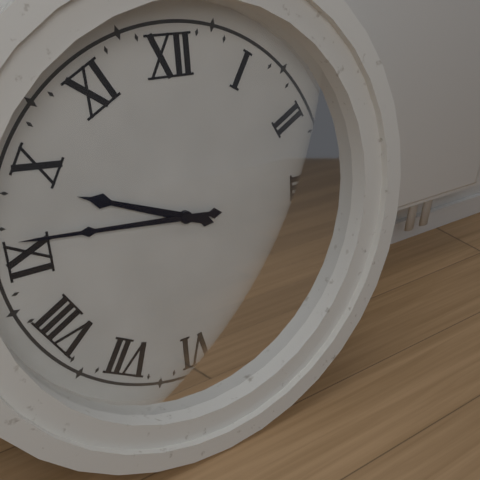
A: 9 h 46 min
